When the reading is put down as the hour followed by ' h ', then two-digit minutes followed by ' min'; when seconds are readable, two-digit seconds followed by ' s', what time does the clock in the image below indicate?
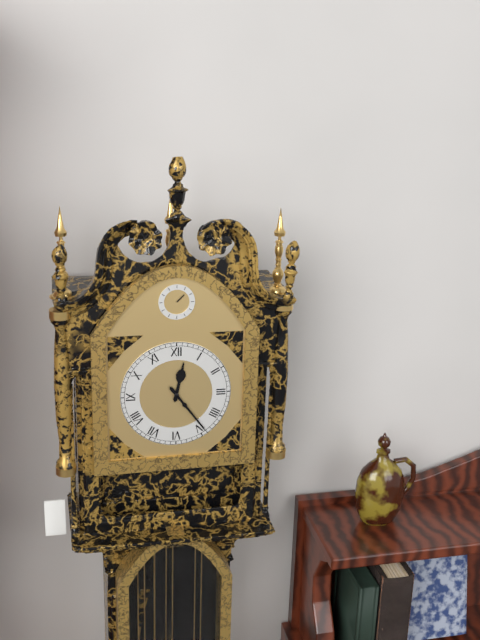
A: 12 h 24 min
